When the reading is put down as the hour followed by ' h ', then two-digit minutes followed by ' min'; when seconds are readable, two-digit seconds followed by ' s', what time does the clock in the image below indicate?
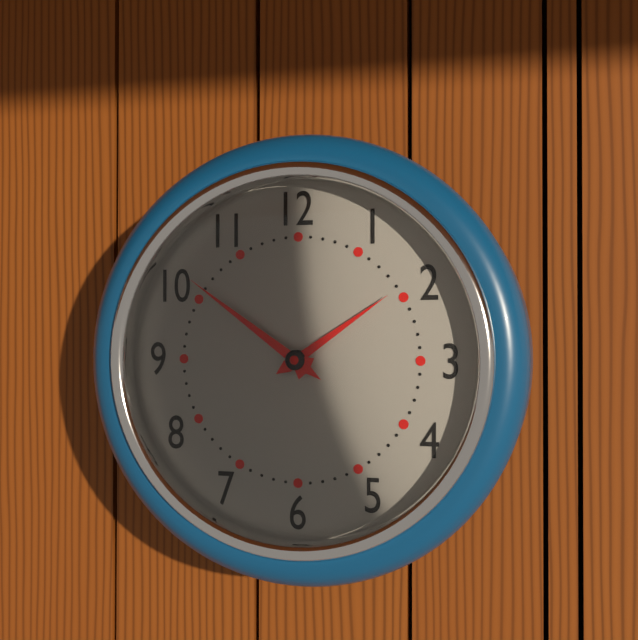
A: 1 h 51 min
